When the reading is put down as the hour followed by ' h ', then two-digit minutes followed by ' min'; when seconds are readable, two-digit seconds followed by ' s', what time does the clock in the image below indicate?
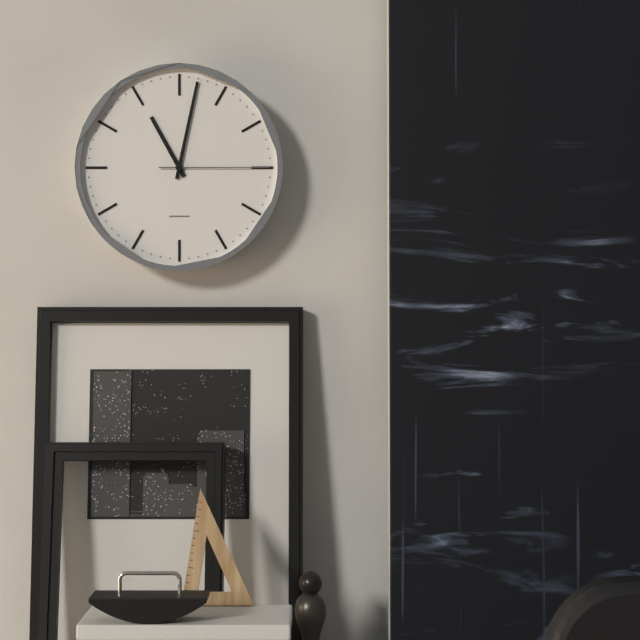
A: 11 h 02 min 15 s
